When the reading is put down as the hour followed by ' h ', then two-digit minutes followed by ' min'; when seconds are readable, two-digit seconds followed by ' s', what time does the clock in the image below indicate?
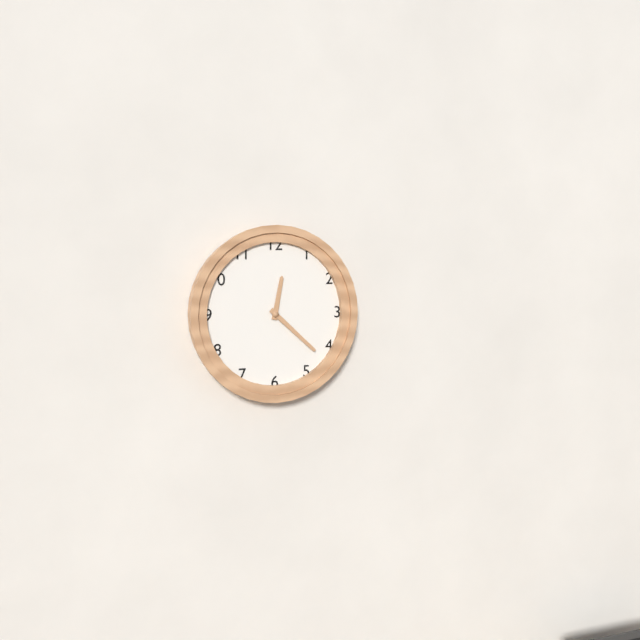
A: 12 h 22 min
